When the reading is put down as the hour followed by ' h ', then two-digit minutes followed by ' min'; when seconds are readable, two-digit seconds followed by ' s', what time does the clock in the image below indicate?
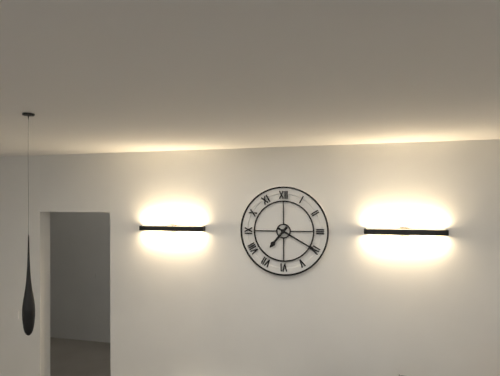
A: 7 h 20 min
